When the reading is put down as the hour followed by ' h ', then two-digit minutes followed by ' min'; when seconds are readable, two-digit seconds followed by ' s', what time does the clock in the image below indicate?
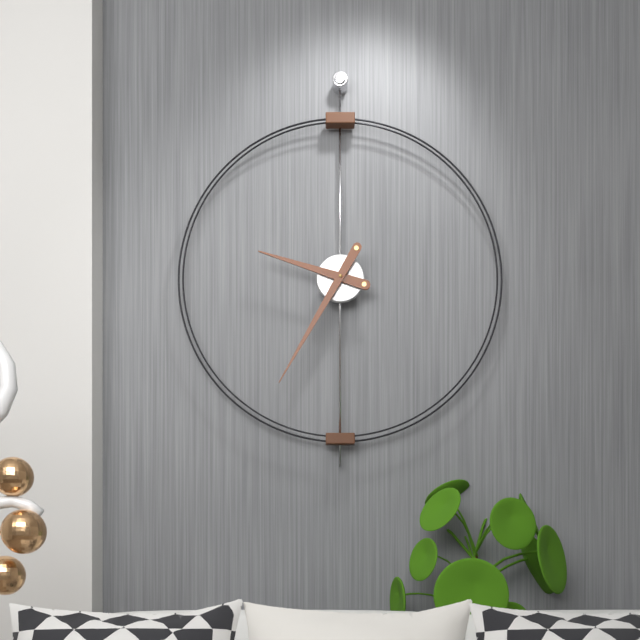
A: 9 h 35 min
